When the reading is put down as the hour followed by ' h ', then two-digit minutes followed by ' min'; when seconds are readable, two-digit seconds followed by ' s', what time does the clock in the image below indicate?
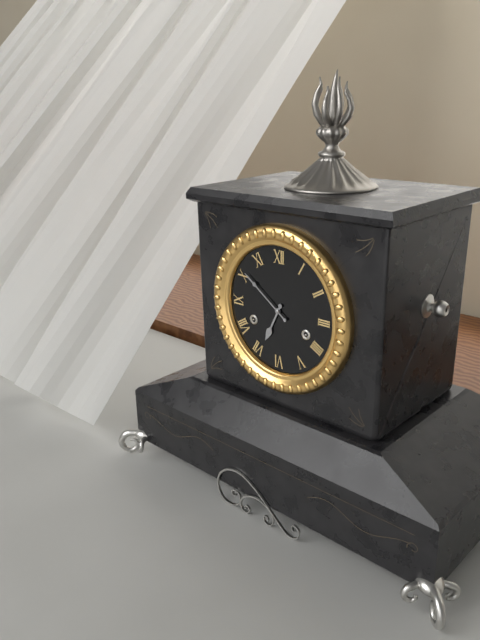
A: 6 h 51 min
